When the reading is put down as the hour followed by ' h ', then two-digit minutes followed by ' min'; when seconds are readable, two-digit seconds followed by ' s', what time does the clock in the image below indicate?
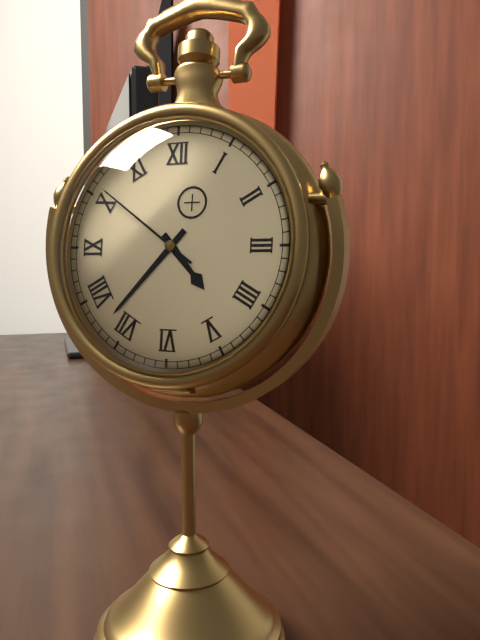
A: 4 h 37 min 51 s
